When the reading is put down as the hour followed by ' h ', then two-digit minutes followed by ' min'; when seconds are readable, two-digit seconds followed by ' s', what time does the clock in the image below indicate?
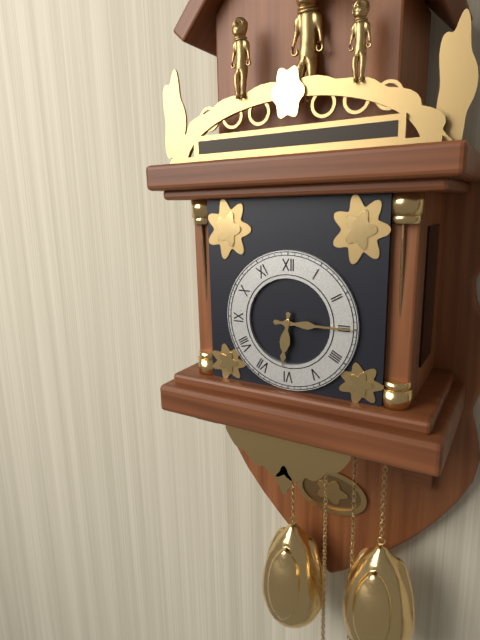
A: 6 h 15 min
